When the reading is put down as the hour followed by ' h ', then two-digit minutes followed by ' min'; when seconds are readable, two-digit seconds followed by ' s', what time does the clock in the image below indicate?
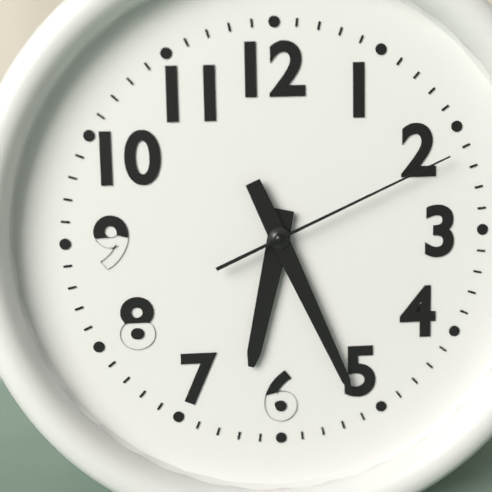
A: 6 h 26 min 11 s
